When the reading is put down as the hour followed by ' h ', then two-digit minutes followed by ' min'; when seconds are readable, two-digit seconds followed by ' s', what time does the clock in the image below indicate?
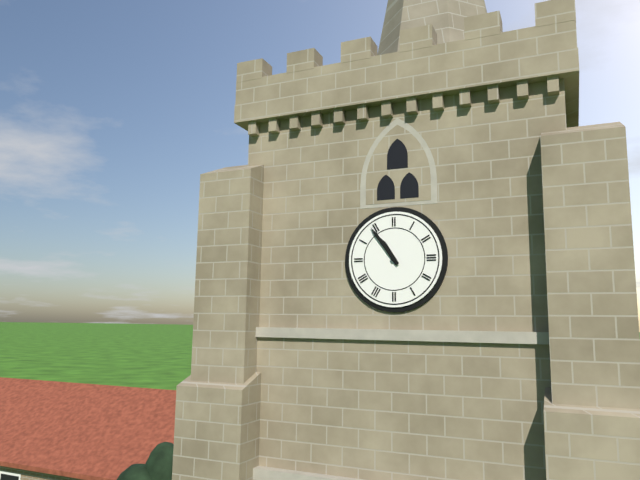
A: 10 h 54 min
